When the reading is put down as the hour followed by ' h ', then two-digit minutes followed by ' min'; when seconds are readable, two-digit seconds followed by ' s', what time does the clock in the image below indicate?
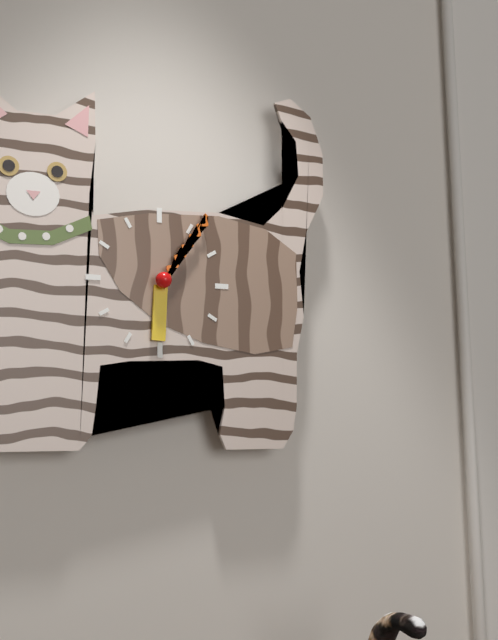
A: 6 h 06 min
